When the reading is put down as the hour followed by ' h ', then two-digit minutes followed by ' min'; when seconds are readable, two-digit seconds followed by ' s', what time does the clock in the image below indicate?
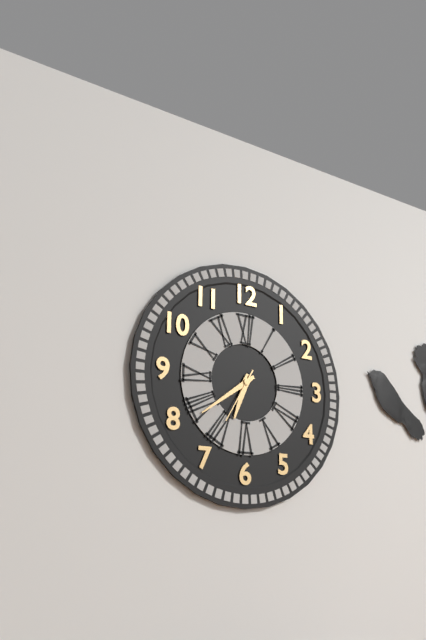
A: 6 h 39 min 35 s
